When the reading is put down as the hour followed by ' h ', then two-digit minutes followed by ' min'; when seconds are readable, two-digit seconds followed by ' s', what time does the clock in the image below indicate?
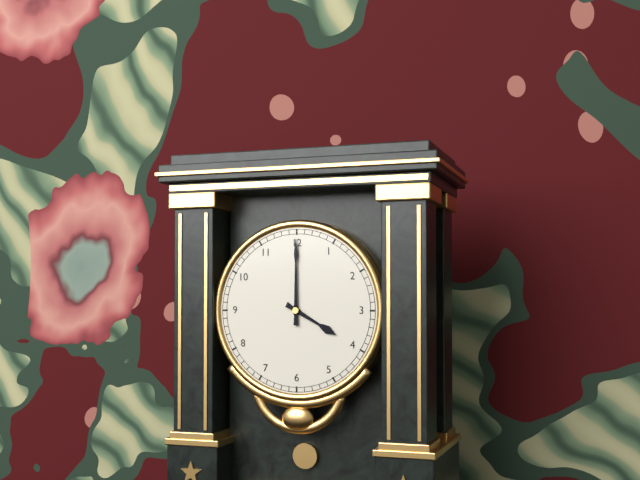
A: 4 h 00 min
